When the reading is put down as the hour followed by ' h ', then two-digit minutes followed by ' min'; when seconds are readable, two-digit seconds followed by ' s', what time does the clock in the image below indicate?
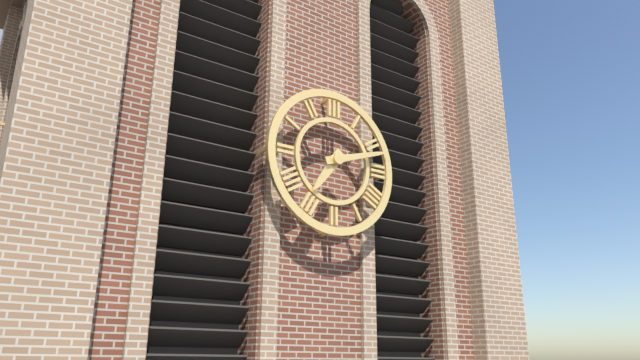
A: 7 h 12 min
